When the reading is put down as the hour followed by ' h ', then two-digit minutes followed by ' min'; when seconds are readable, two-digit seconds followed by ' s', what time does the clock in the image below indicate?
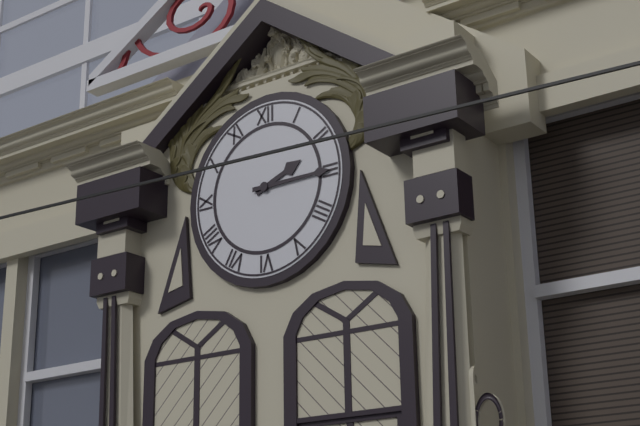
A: 2 h 15 min
